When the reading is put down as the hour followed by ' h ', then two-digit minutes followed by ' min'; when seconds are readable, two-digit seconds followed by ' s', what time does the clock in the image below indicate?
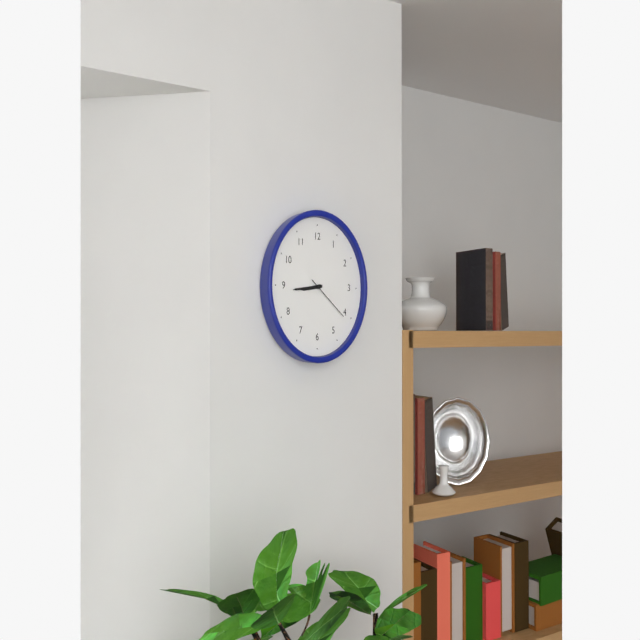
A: 8 h 44 min
